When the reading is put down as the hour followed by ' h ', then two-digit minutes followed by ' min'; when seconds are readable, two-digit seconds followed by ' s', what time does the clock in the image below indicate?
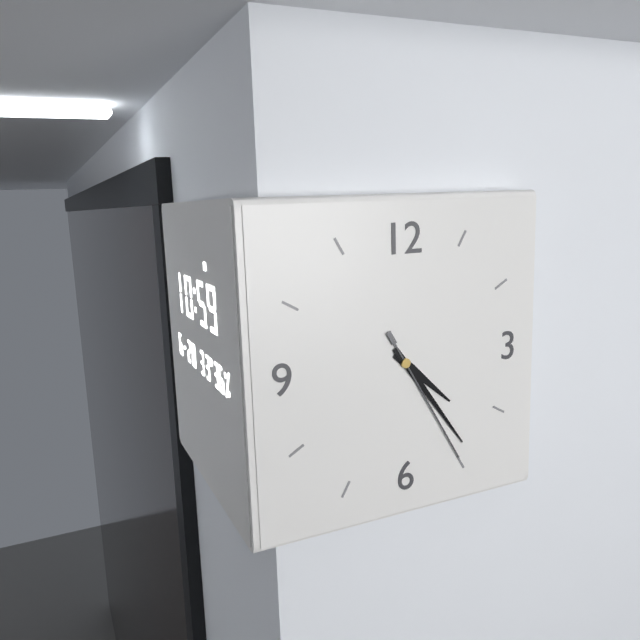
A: 4 h 24 min 25 s
